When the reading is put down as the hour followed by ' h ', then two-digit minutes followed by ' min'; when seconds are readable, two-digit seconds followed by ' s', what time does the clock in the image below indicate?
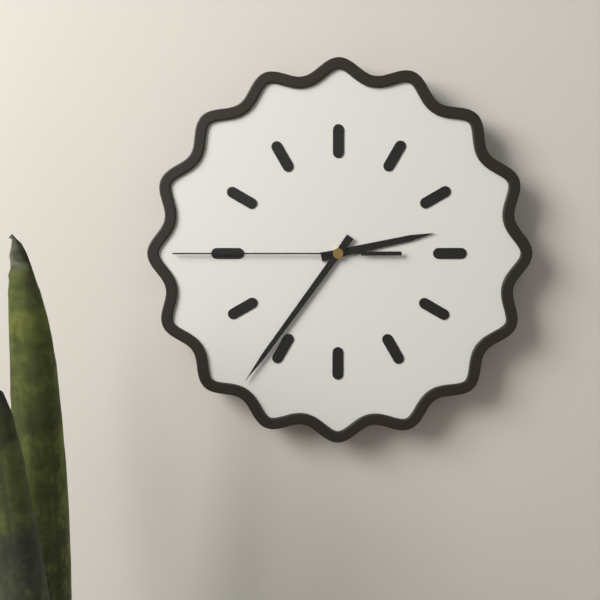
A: 2 h 36 min 45 s
